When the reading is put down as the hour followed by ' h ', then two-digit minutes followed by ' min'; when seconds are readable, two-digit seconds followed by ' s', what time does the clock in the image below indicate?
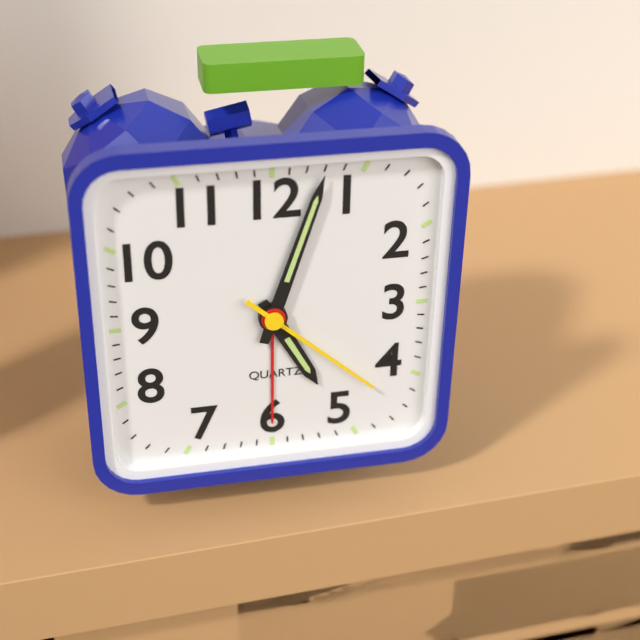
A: 5 h 03 min 22 s
